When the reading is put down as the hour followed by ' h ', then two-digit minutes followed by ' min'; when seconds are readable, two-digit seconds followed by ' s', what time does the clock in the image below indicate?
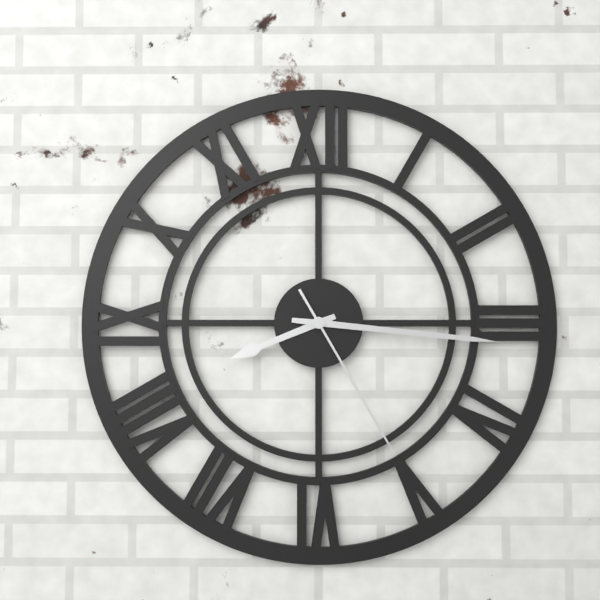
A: 8 h 16 min 25 s
